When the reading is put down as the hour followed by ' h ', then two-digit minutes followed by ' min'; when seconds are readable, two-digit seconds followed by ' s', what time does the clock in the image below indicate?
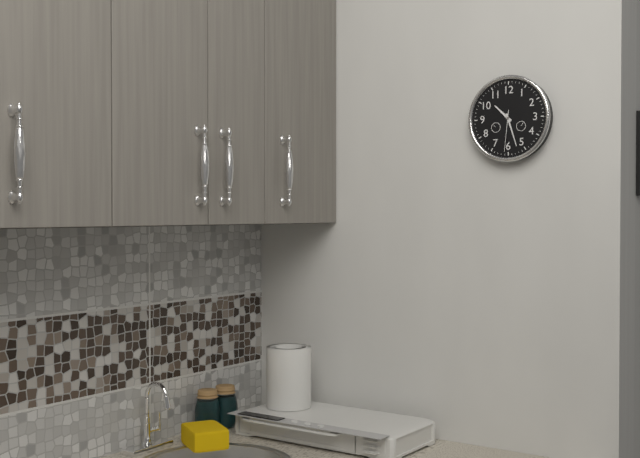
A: 10 h 27 min
